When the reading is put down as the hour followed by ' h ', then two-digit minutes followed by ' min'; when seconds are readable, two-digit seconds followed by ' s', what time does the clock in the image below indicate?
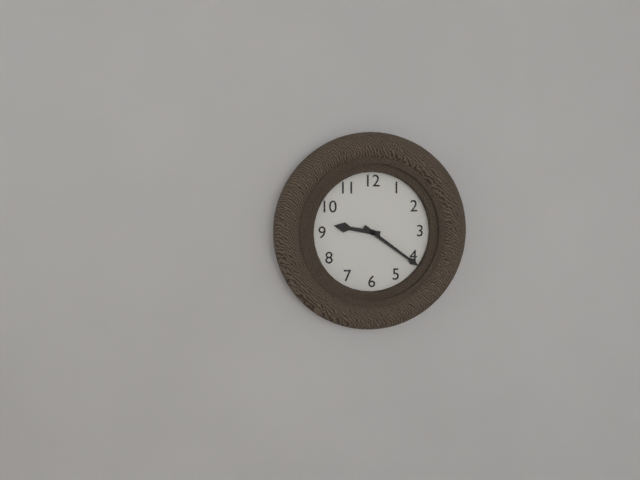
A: 9 h 21 min
